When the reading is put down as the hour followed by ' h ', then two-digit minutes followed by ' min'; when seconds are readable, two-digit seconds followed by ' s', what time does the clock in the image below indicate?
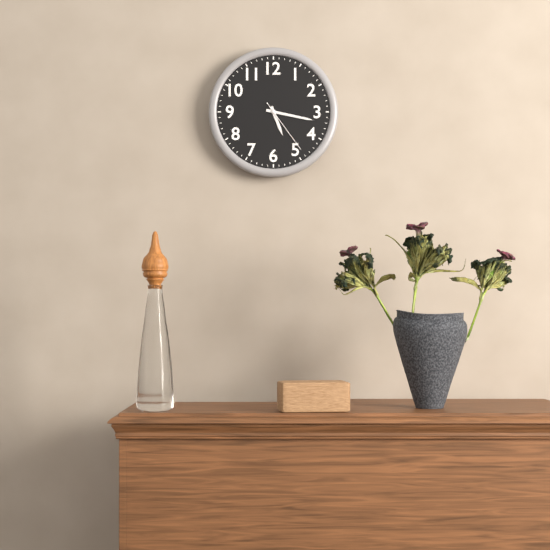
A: 5 h 17 min 24 s
